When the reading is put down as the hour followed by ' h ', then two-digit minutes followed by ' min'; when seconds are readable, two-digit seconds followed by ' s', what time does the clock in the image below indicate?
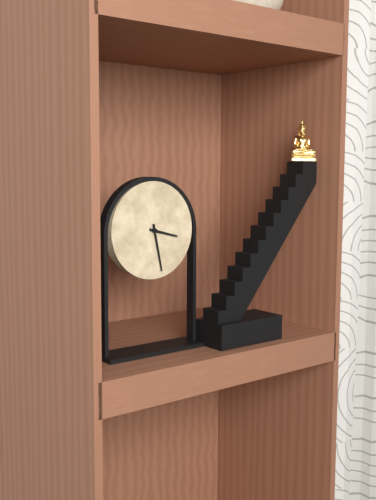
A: 3 h 28 min
